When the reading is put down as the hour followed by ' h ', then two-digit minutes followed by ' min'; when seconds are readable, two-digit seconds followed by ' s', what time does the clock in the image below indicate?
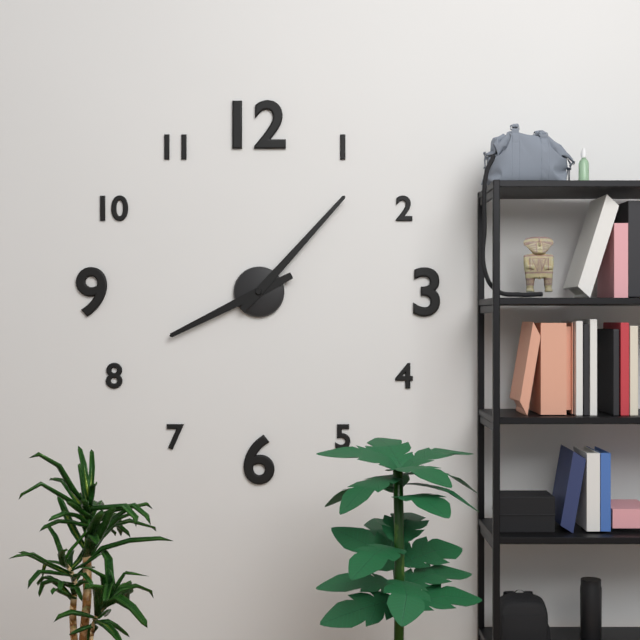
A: 8 h 07 min
